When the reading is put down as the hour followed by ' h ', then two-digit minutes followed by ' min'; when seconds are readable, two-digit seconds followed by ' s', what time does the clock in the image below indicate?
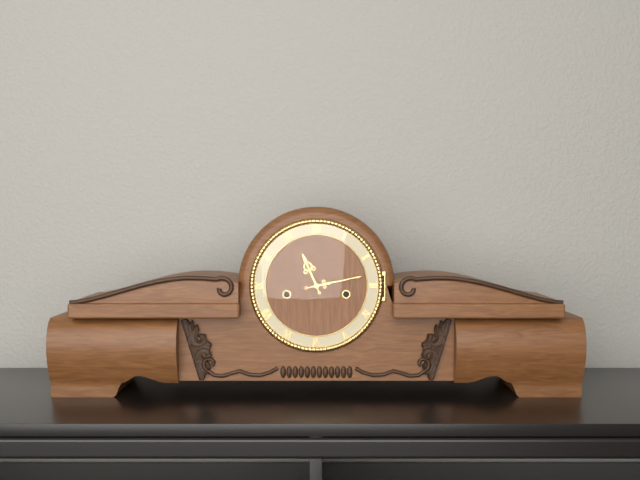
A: 11 h 13 min
